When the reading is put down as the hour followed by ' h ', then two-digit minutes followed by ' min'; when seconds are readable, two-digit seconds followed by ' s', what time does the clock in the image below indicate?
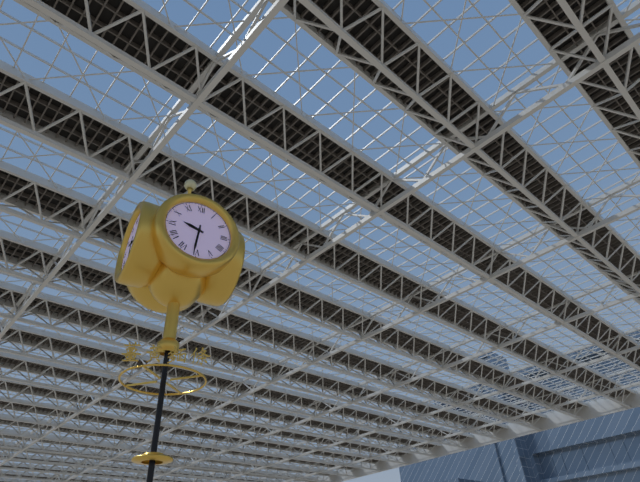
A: 9 h 31 min
